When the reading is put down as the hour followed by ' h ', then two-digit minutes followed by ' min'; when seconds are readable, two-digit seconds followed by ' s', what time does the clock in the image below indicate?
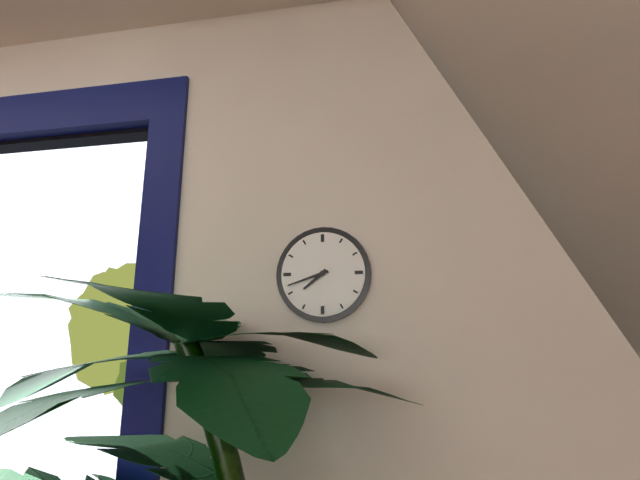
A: 7 h 42 min
